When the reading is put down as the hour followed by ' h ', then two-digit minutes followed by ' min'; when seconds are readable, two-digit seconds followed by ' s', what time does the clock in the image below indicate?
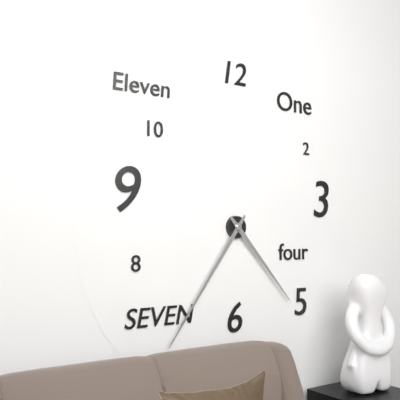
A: 4 h 36 min
